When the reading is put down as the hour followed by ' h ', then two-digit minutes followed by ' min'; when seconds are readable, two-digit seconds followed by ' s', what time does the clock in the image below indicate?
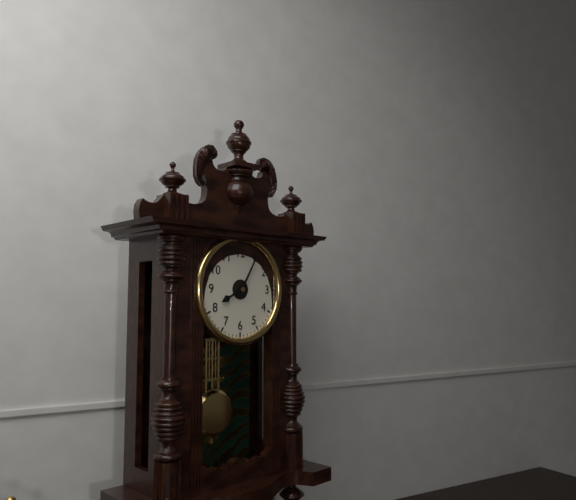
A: 8 h 05 min
